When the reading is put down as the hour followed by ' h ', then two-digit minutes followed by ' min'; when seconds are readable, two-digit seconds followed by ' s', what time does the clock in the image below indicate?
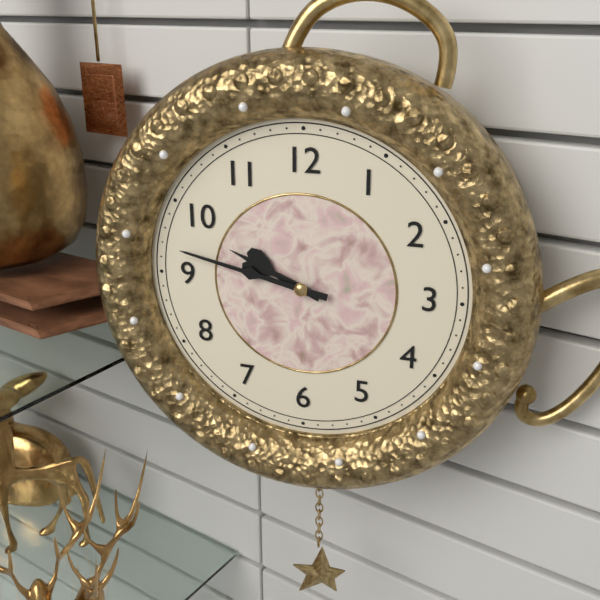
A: 9 h 47 min
